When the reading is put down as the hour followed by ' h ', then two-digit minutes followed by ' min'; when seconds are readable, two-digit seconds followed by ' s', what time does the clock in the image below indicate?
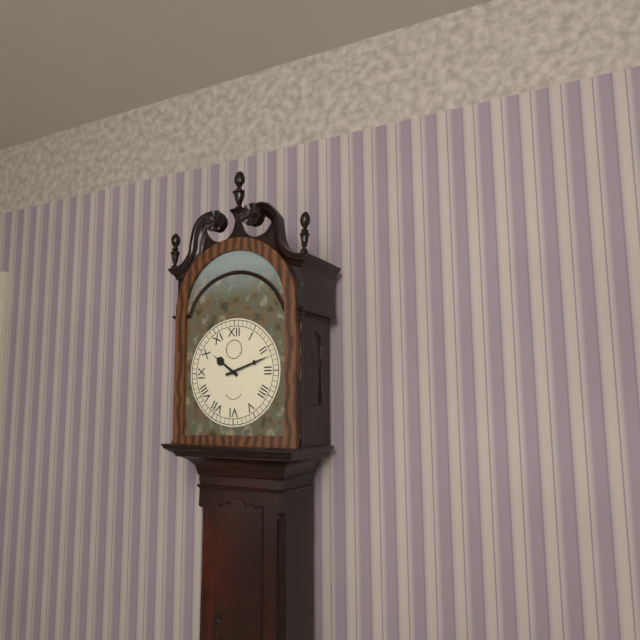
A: 10 h 12 min
